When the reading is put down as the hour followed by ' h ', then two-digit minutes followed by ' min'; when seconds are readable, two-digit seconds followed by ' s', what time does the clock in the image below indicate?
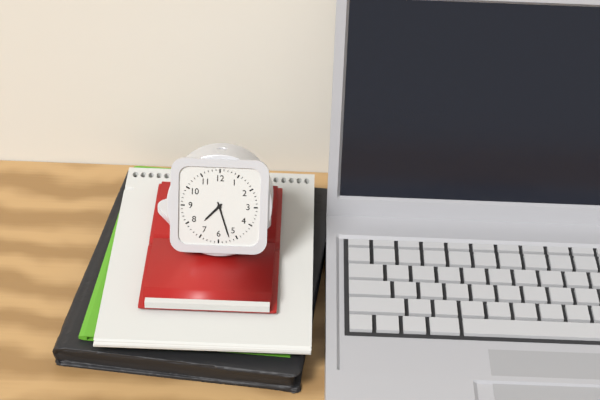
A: 7 h 27 min
